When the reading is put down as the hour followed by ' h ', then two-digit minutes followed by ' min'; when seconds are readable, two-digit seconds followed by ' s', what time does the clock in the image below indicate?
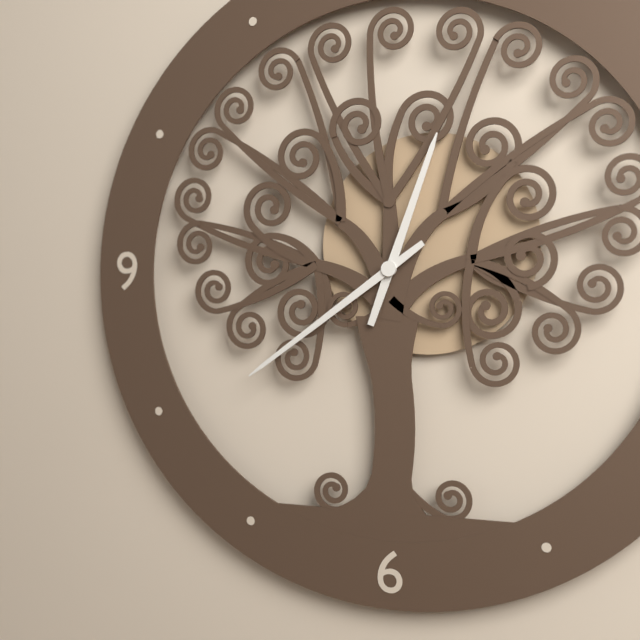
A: 12 h 39 min
